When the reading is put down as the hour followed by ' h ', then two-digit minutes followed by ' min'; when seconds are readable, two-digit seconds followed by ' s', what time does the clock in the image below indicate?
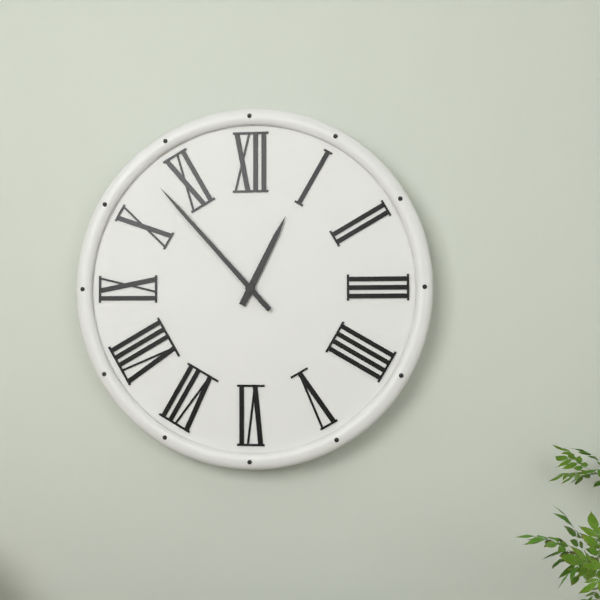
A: 12 h 53 min
